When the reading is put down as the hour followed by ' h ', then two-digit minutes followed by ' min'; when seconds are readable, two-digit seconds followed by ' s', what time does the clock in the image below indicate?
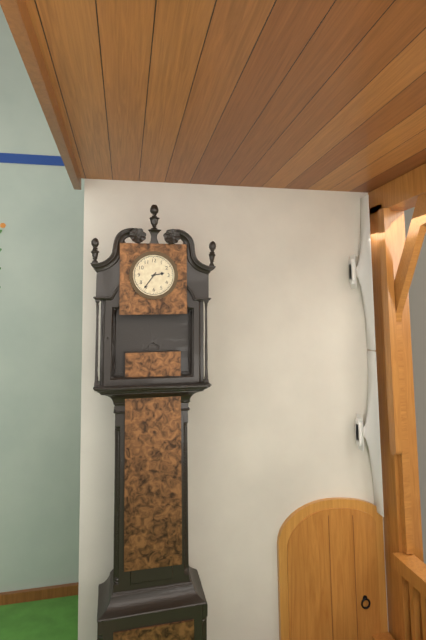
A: 2 h 36 min
